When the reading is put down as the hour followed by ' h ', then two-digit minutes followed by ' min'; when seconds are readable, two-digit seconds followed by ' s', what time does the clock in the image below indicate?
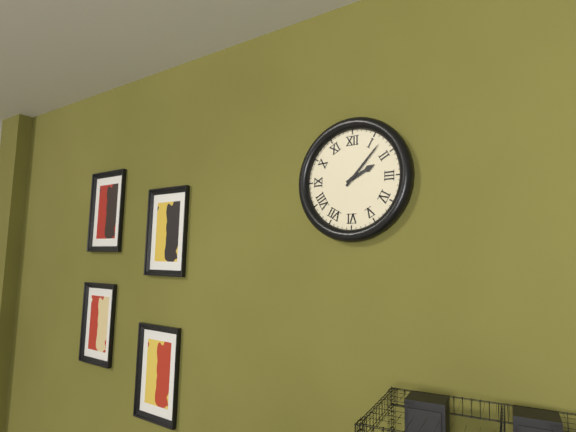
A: 2 h 07 min
